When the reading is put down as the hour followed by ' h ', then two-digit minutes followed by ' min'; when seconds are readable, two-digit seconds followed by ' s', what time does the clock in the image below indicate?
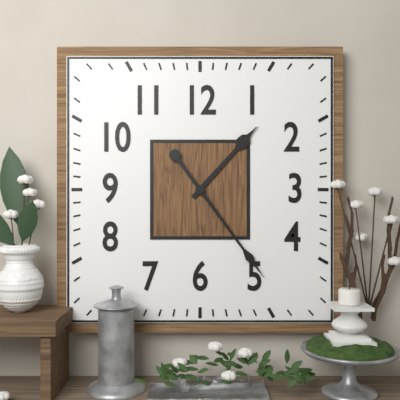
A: 1 h 24 min
